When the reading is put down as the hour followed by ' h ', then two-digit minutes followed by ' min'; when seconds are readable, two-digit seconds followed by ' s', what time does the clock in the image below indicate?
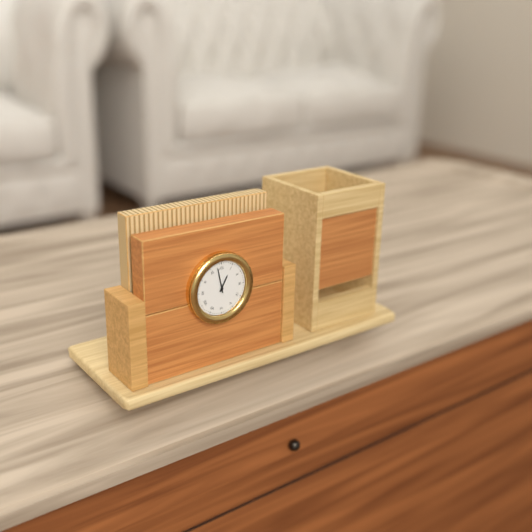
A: 12 h 58 min
